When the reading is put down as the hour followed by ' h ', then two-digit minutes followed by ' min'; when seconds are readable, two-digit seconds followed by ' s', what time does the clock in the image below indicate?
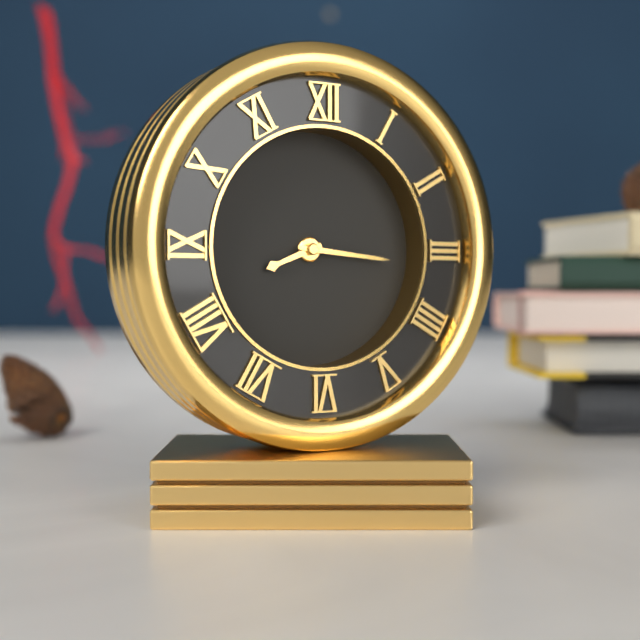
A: 8 h 16 min
